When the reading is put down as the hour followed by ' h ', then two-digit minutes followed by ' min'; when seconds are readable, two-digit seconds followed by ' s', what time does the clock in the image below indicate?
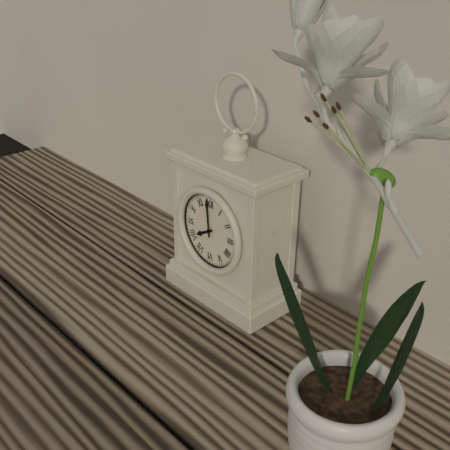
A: 7 h 59 min
